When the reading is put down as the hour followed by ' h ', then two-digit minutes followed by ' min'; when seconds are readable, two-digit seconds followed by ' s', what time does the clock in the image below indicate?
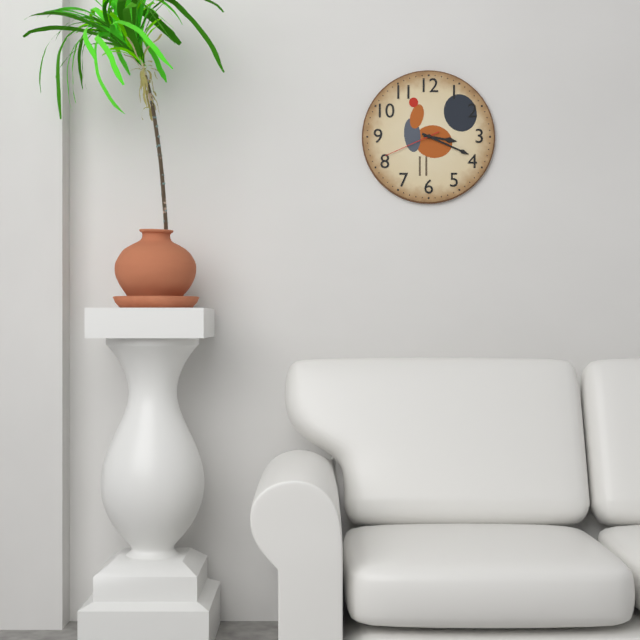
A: 3 h 19 min 41 s
